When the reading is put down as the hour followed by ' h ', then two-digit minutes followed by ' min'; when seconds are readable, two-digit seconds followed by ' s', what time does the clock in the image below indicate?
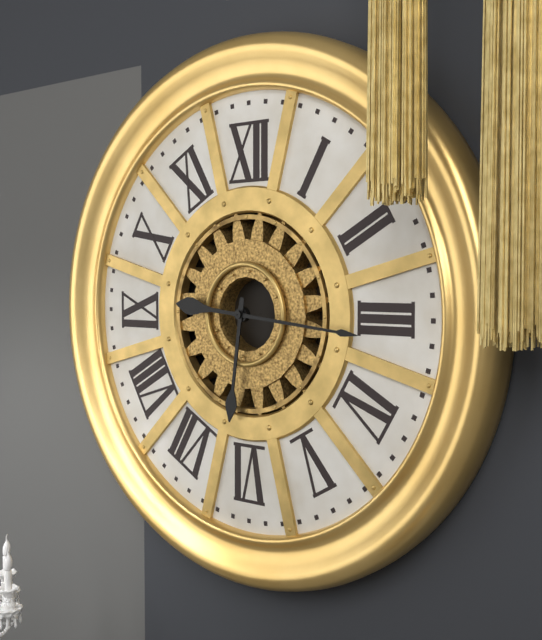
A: 6 h 16 min
